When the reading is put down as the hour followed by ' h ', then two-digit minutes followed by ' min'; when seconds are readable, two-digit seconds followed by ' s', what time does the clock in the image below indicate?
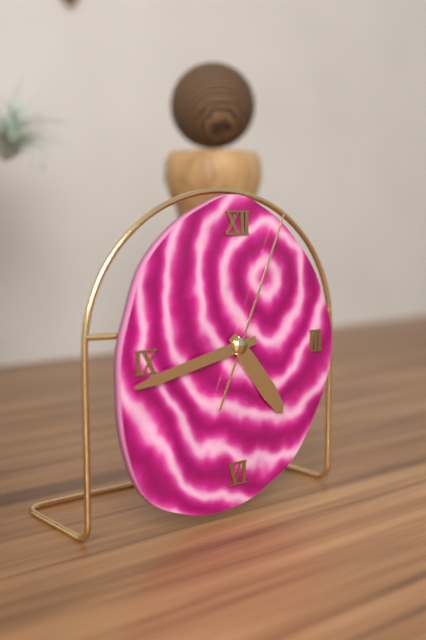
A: 4 h 43 min 04 s
